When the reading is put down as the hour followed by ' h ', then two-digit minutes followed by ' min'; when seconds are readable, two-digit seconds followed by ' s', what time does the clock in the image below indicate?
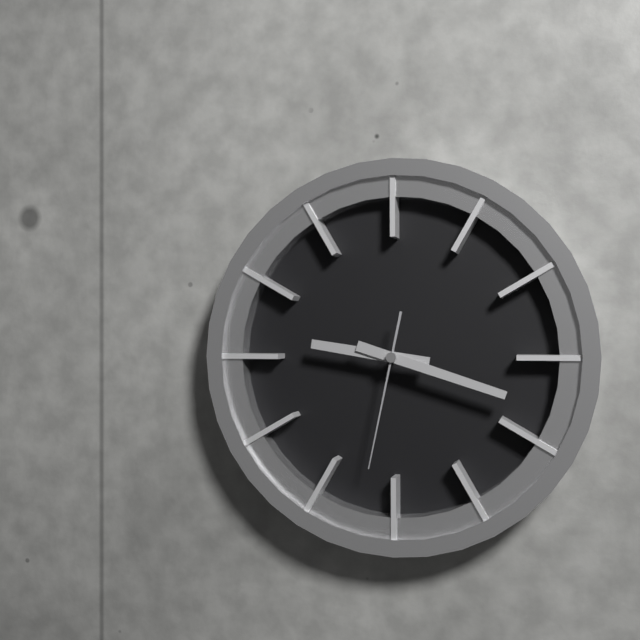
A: 9 h 18 min 32 s
